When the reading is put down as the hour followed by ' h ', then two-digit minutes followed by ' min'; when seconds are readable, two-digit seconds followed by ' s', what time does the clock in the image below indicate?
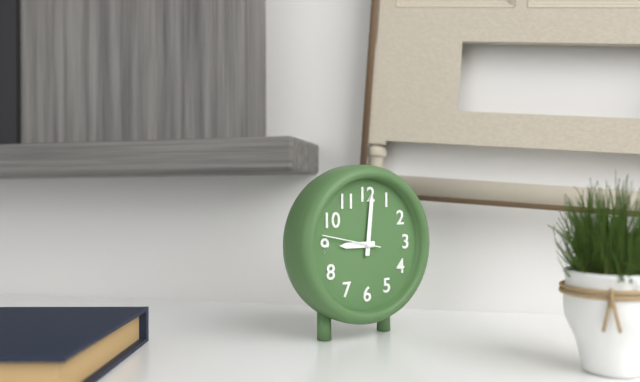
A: 9 h 01 min 47 s
